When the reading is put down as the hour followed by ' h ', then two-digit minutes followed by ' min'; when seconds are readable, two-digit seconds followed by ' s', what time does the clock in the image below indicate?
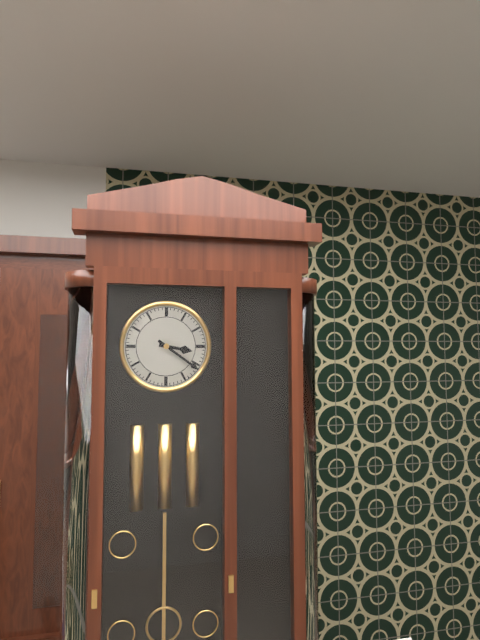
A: 3 h 21 min
